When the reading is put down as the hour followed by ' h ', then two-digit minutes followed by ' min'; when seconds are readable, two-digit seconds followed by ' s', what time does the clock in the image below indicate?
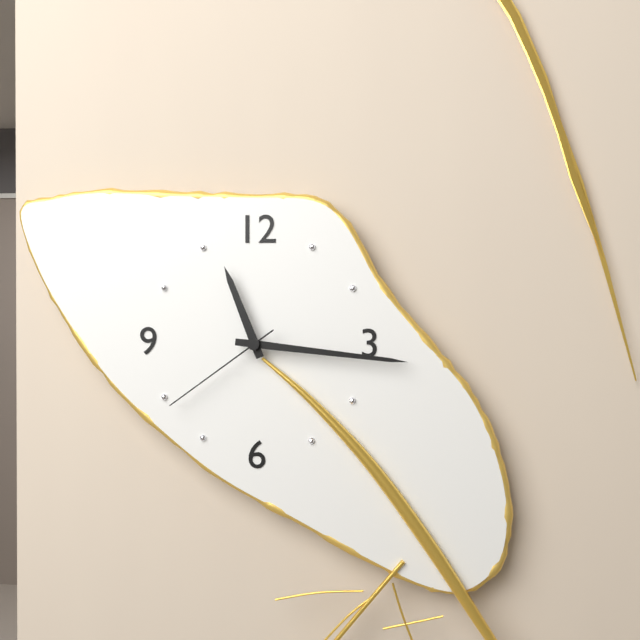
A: 11 h 16 min 39 s
